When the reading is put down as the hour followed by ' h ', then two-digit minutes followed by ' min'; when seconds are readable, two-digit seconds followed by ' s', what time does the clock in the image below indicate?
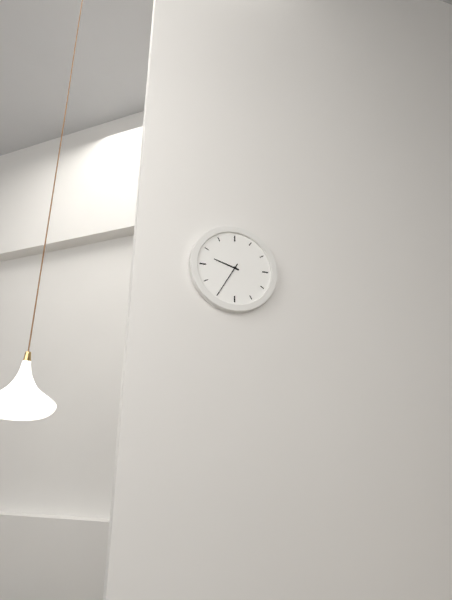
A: 9 h 35 min
